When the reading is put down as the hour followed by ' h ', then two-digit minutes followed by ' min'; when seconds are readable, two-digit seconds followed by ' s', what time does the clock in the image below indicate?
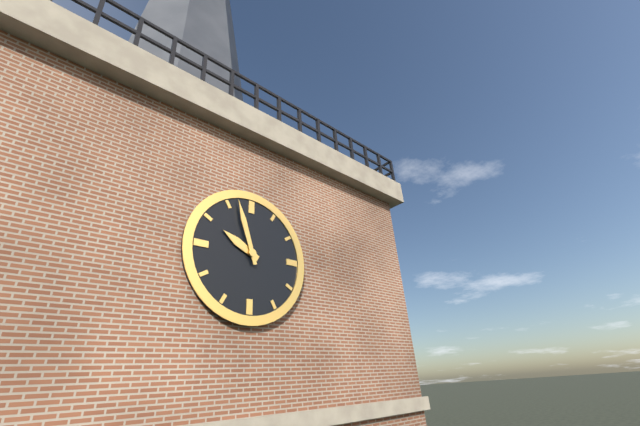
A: 9 h 57 min
